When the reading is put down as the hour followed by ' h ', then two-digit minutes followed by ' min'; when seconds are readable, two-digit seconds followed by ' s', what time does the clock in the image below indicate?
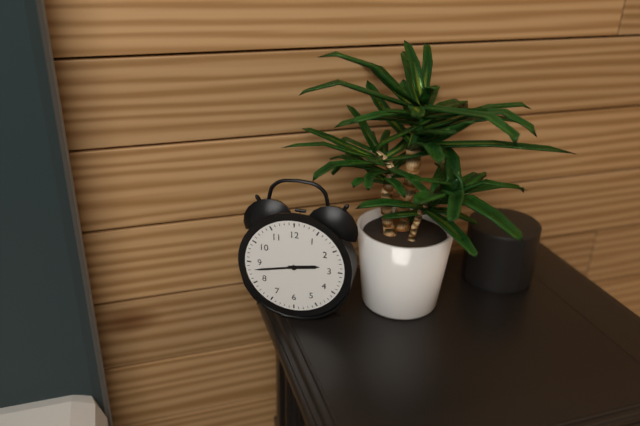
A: 2 h 43 min
